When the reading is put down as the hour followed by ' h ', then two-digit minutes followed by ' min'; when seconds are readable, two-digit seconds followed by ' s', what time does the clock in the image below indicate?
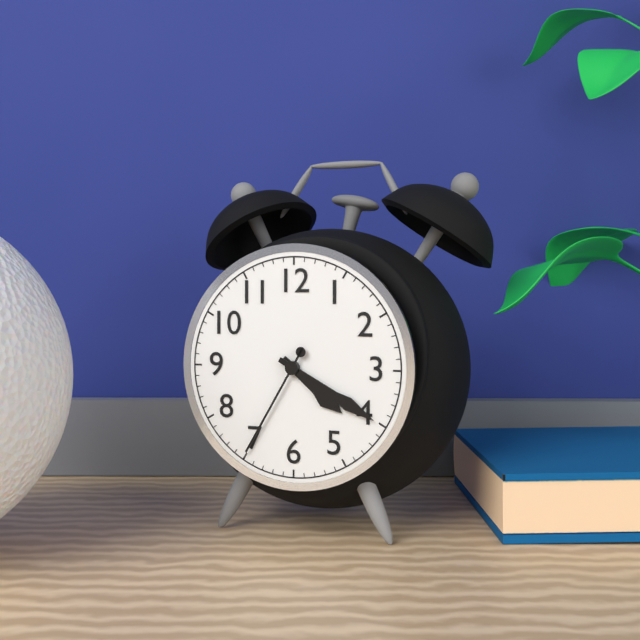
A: 4 h 20 min 35 s
